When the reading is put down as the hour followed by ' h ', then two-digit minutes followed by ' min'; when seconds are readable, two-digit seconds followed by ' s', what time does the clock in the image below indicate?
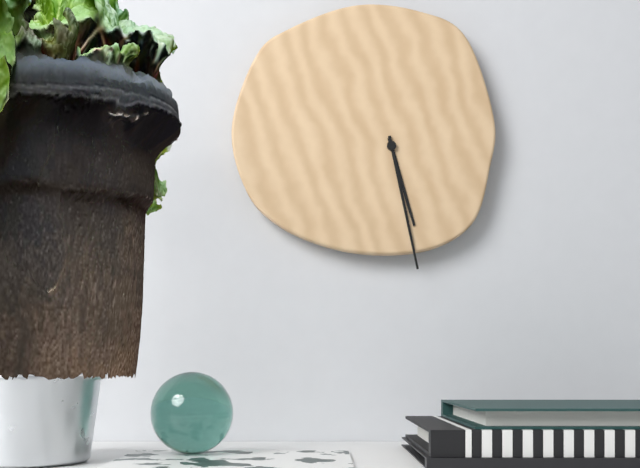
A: 5 h 28 min
